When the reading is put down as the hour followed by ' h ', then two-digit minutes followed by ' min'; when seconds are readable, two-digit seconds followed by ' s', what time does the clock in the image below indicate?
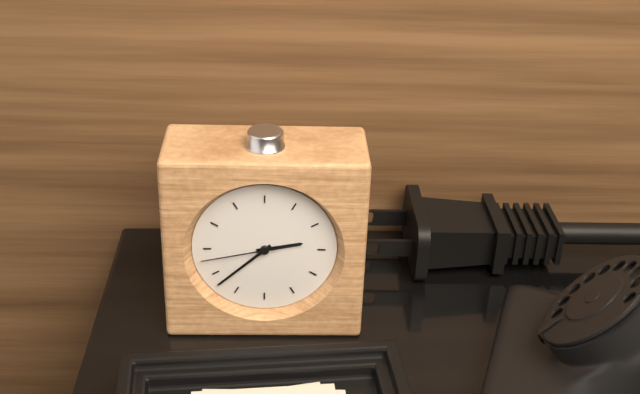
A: 2 h 38 min 43 s
